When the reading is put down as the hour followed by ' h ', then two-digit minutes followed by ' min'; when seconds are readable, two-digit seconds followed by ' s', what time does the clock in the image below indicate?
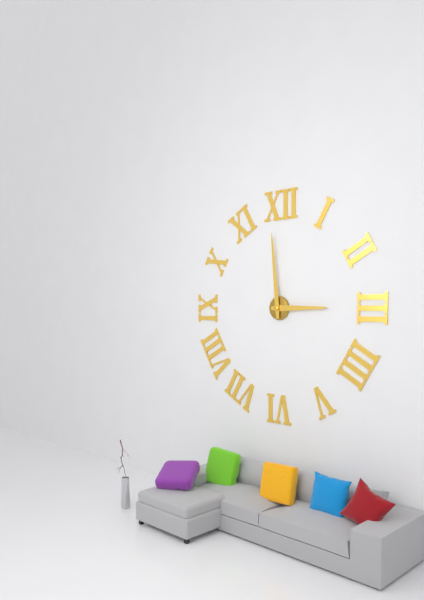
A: 2 h 59 min
